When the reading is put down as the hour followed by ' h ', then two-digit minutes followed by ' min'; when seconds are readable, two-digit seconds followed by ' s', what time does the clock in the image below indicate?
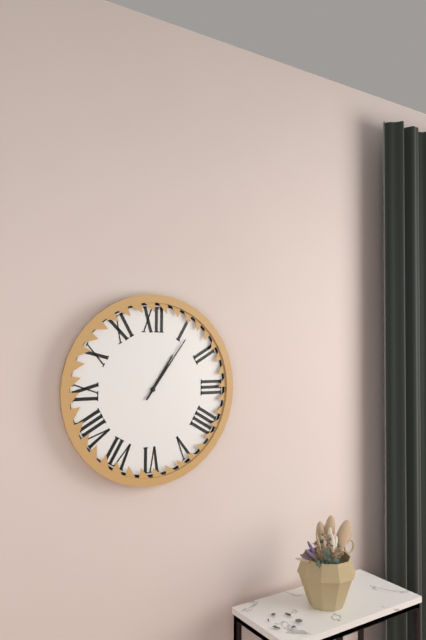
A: 1 h 06 min
